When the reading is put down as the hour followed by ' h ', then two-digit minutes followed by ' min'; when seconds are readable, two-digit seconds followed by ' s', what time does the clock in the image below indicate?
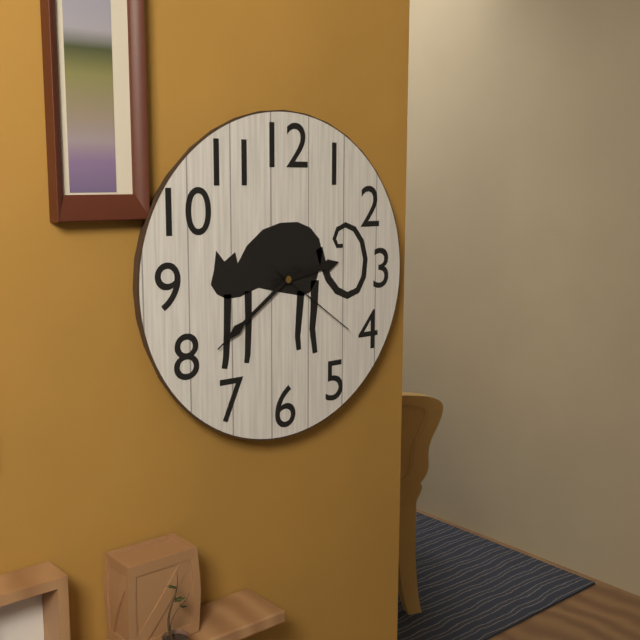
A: 2 h 39 min 21 s
